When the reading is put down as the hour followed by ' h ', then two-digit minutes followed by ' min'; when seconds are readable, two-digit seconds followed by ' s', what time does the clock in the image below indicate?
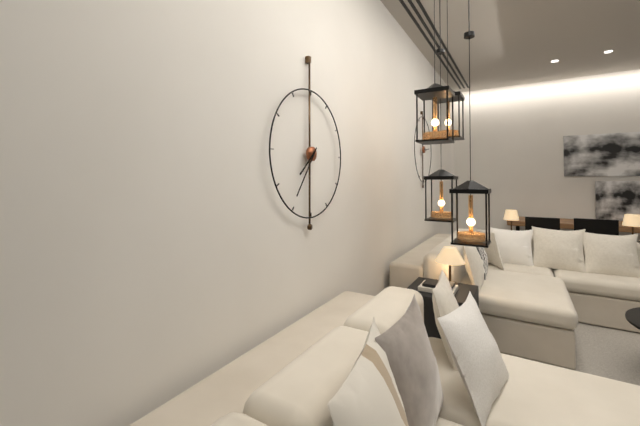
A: 7 h 36 min
